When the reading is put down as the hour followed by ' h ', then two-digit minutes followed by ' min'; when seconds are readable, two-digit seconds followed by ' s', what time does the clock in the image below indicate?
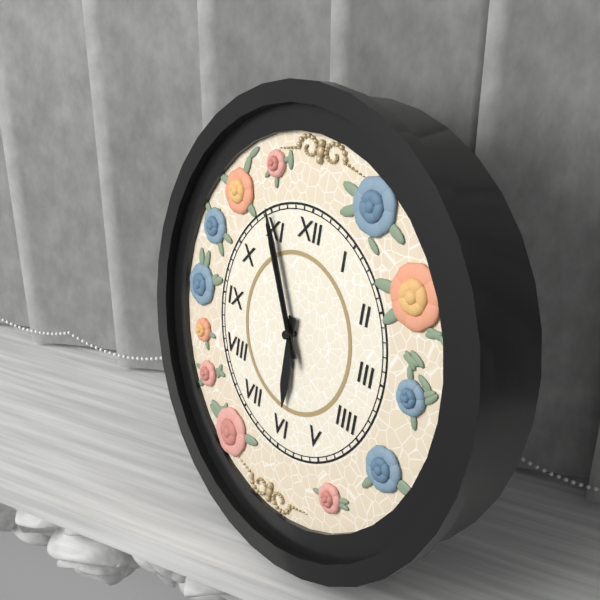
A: 5 h 55 min 55 s
